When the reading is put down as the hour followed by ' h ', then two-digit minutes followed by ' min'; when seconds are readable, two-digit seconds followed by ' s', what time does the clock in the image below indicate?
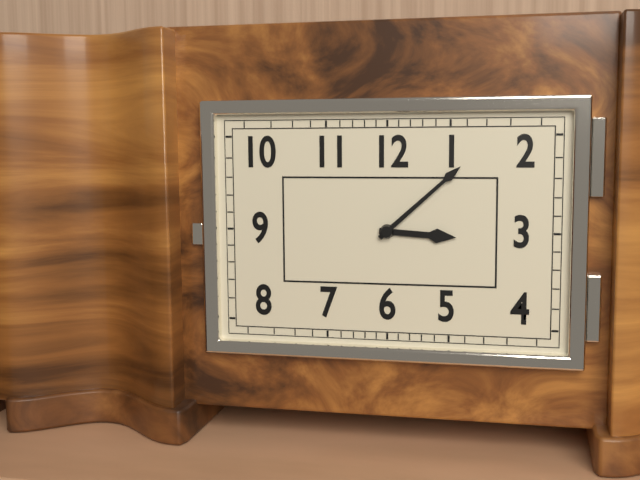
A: 3 h 08 min
